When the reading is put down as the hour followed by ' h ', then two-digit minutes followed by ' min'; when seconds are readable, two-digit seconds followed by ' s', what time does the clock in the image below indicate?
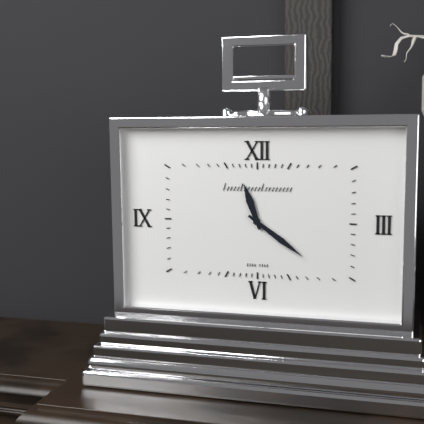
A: 11 h 21 min
